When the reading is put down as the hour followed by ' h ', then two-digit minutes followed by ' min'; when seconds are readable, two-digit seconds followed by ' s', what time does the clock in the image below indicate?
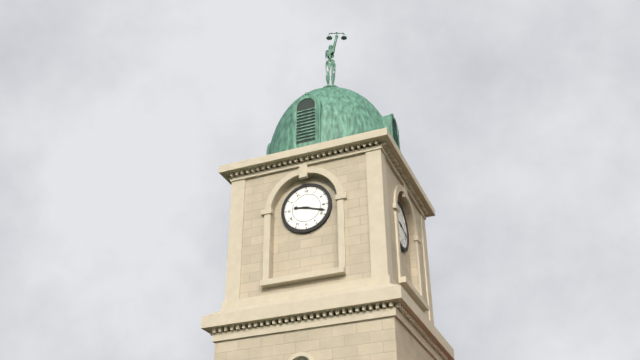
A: 9 h 18 min
